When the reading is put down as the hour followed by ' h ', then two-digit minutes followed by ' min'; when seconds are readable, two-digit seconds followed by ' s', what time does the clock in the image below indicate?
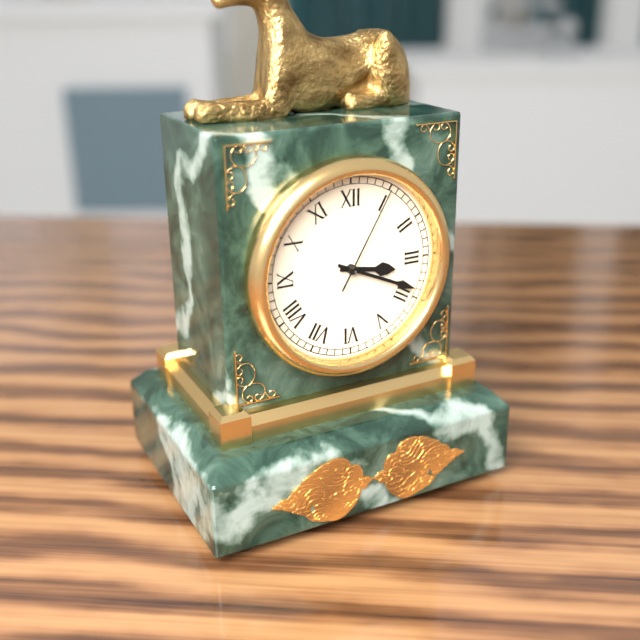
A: 3 h 19 min 05 s
